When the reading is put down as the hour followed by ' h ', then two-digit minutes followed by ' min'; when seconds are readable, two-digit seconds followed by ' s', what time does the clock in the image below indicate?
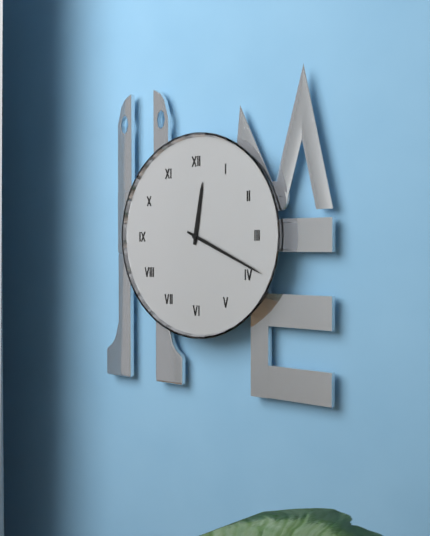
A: 12 h 19 min
